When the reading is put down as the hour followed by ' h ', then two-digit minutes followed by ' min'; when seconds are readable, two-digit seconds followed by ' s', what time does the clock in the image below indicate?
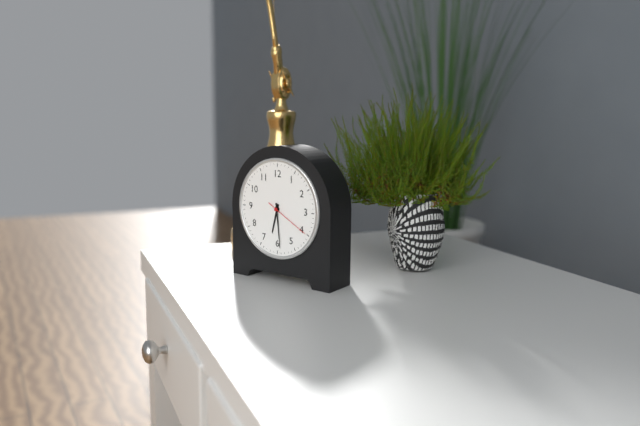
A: 6 h 29 min
